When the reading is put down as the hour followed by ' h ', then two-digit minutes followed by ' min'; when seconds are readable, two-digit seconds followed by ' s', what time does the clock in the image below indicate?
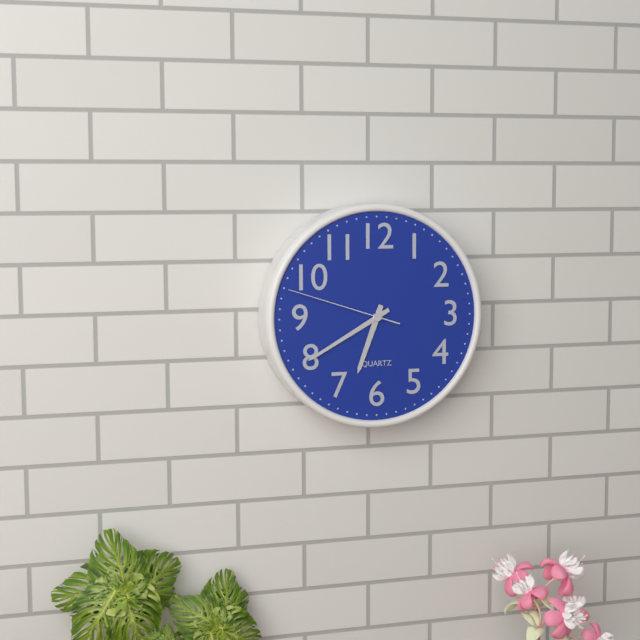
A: 6 h 40 min 48 s
